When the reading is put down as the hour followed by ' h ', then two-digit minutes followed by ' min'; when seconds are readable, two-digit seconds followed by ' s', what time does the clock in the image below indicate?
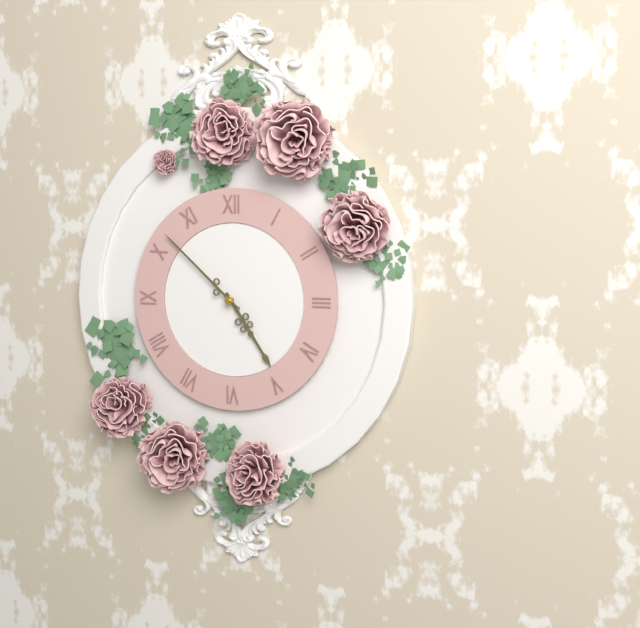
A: 4 h 52 min
